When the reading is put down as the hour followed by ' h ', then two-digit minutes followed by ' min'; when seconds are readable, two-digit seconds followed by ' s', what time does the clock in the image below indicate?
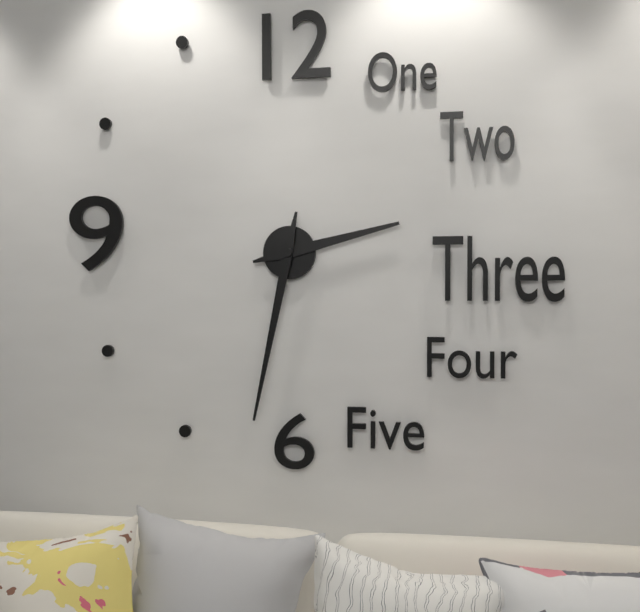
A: 2 h 32 min
